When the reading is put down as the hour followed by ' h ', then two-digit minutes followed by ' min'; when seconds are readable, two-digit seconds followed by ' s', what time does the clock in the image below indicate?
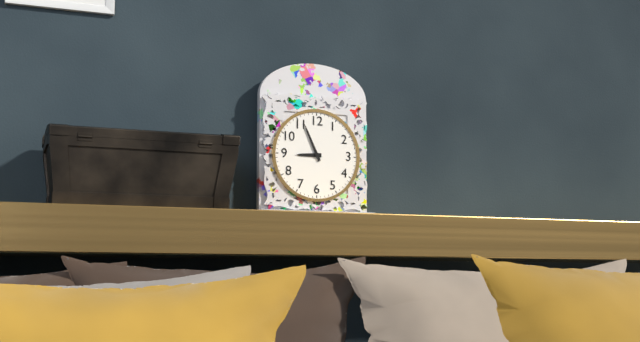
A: 8 h 56 min
